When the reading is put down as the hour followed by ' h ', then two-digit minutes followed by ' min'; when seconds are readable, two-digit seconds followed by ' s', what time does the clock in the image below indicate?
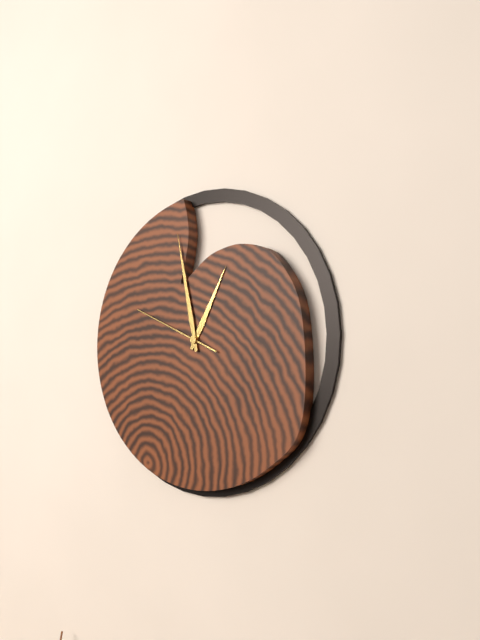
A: 12 h 58 min 49 s
